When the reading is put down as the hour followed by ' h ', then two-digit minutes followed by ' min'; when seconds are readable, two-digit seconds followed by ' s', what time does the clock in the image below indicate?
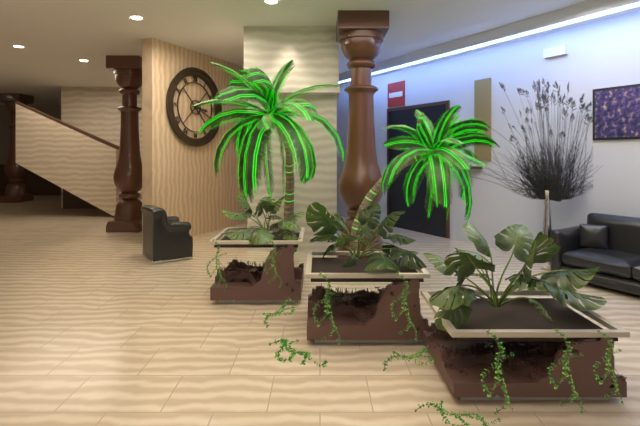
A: 3 h 19 min
